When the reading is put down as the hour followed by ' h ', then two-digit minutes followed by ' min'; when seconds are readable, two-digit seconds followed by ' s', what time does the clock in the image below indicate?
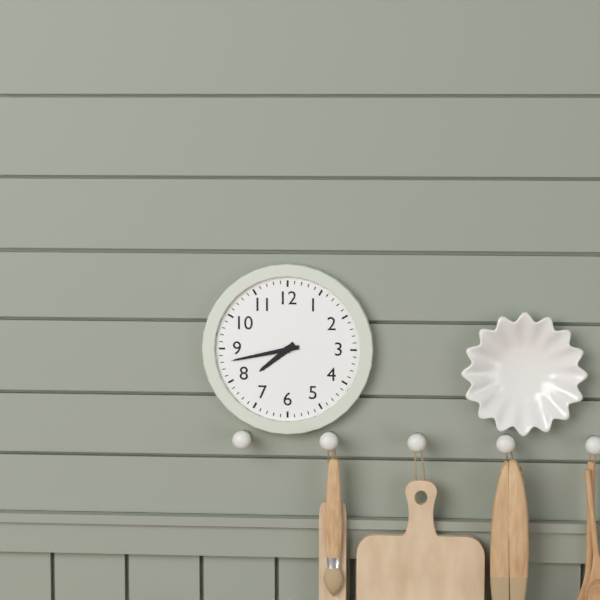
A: 7 h 43 min
